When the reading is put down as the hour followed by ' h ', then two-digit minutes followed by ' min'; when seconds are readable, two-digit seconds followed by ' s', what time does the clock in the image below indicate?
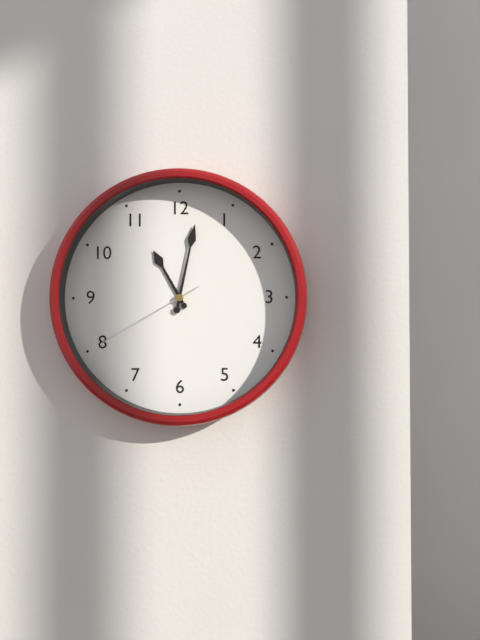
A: 11 h 02 min 40 s
